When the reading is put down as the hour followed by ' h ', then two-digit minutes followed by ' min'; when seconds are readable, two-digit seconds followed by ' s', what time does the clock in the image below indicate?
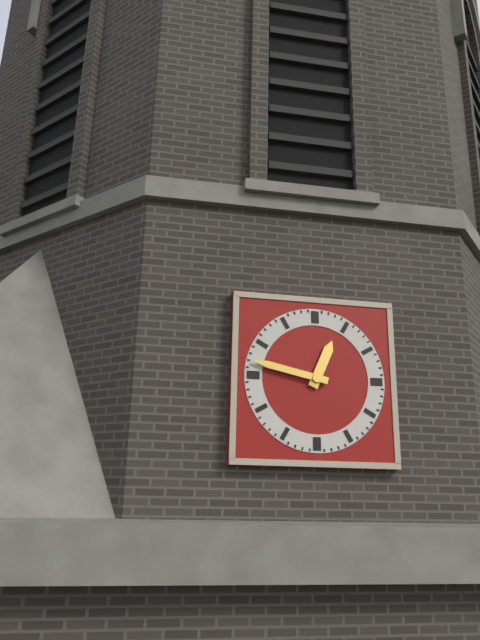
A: 12 h 47 min
